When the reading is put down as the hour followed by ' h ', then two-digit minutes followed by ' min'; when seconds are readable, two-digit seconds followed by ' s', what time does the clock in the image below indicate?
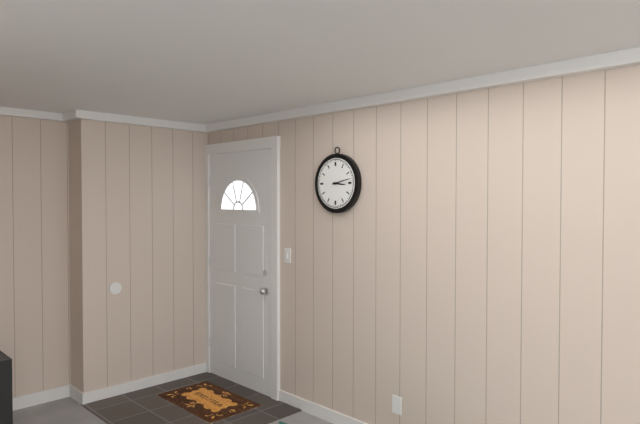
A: 3 h 13 min
